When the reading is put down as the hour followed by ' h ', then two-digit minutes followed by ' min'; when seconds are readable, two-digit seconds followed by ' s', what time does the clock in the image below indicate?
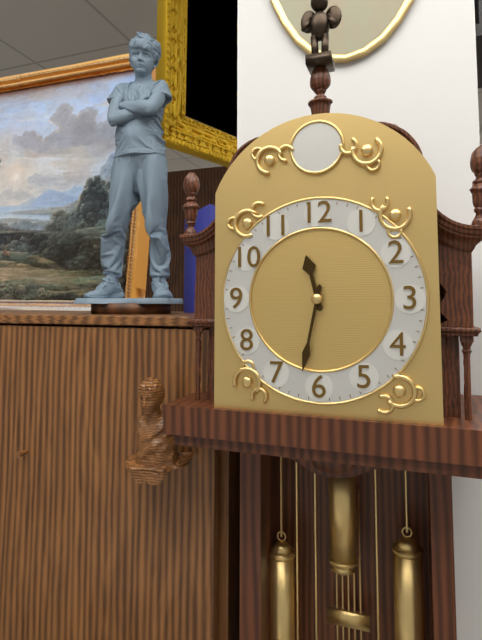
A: 11 h 32 min
